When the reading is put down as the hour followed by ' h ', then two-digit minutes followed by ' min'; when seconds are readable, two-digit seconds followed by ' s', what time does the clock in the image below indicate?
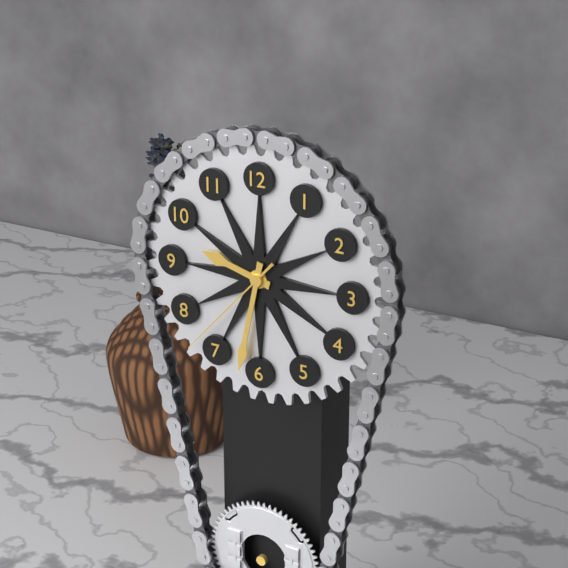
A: 9 h 32 min 37 s
